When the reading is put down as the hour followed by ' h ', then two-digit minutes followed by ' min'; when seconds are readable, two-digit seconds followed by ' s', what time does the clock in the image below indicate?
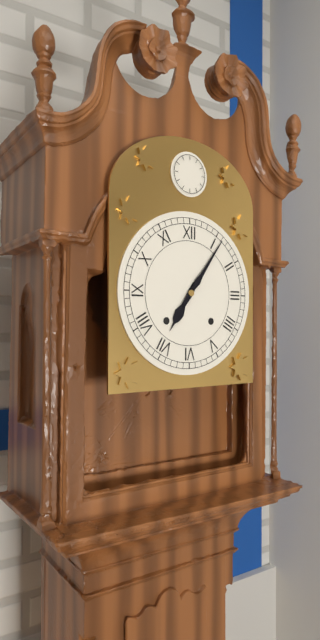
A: 7 h 06 min
